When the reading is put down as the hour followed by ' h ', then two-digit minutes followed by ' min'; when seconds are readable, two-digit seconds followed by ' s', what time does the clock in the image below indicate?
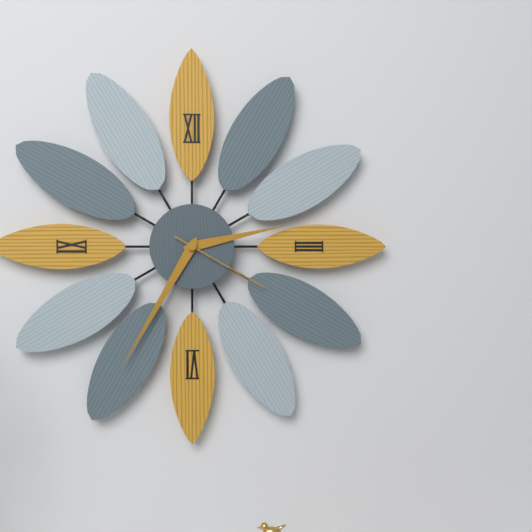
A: 2 h 35 min 20 s
